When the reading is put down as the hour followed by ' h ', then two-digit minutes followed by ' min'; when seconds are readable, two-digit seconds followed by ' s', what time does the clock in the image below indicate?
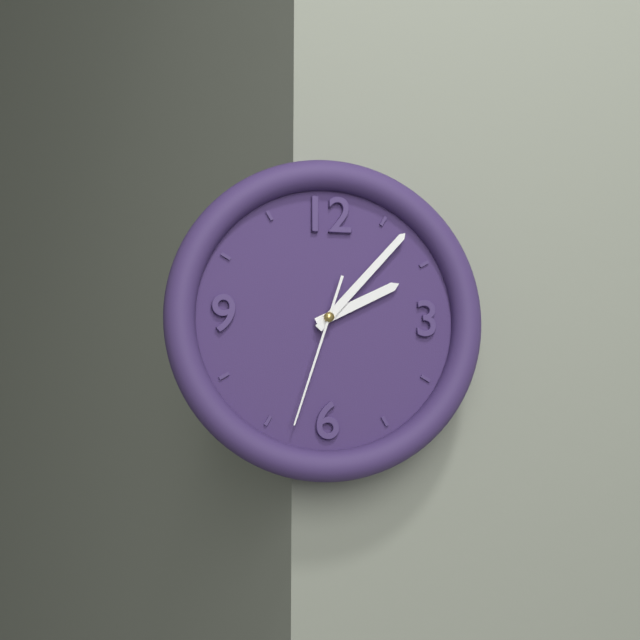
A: 2 h 07 min 33 s
